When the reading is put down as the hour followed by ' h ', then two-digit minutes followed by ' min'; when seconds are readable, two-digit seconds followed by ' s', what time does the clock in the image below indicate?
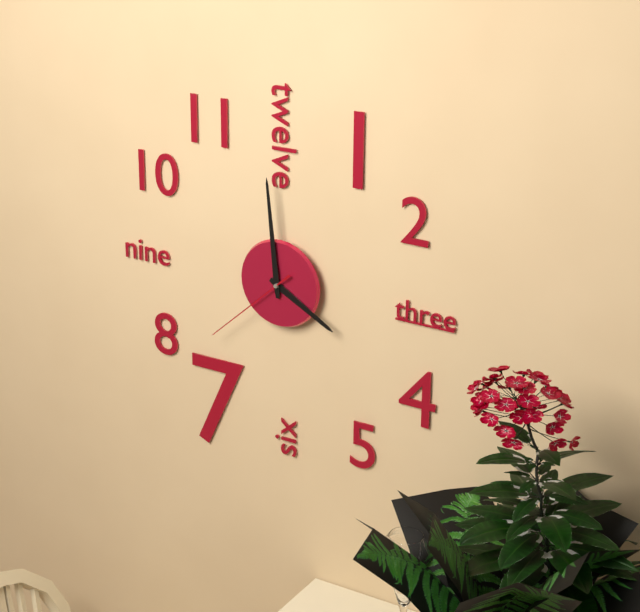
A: 3 h 59 min 38 s
